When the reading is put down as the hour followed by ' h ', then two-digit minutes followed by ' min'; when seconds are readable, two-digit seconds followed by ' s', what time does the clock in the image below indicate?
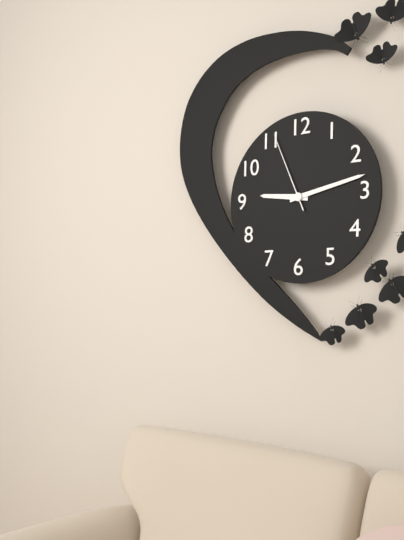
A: 9 h 13 min 56 s
